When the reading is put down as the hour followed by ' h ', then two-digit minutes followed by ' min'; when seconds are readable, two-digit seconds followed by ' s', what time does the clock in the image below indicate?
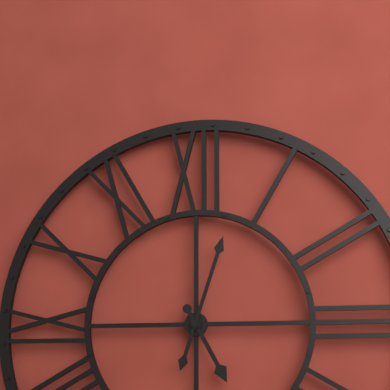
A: 5 h 03 min
